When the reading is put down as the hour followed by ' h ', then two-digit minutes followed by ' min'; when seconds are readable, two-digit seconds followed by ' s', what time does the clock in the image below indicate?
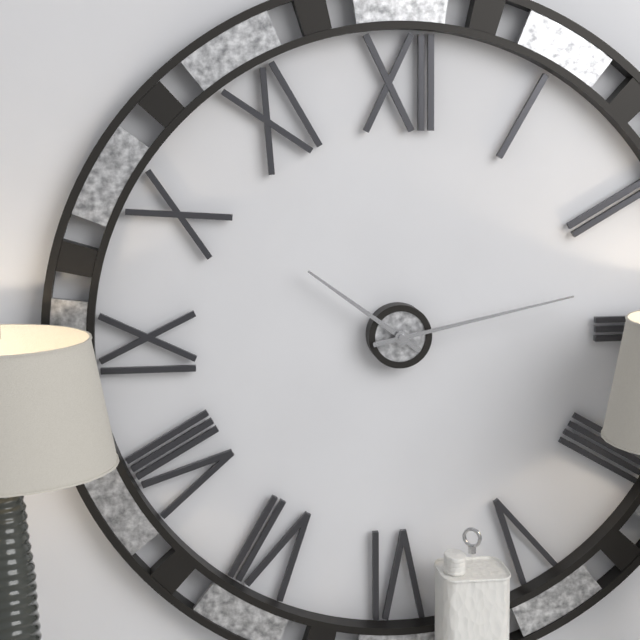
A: 10 h 13 min
